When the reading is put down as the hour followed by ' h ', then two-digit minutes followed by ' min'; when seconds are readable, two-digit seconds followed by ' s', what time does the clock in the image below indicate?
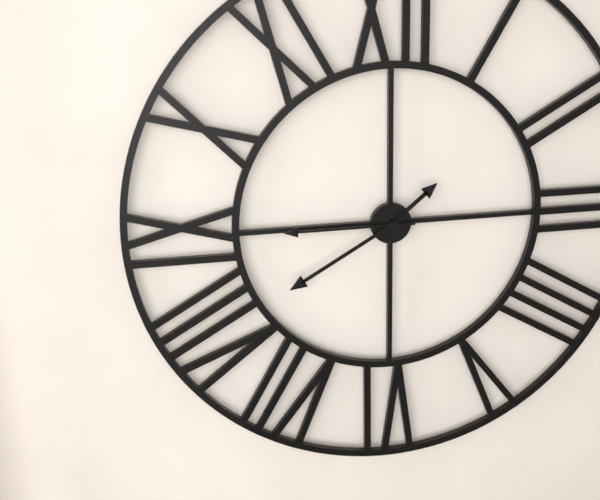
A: 1 h 40 min 45 s
